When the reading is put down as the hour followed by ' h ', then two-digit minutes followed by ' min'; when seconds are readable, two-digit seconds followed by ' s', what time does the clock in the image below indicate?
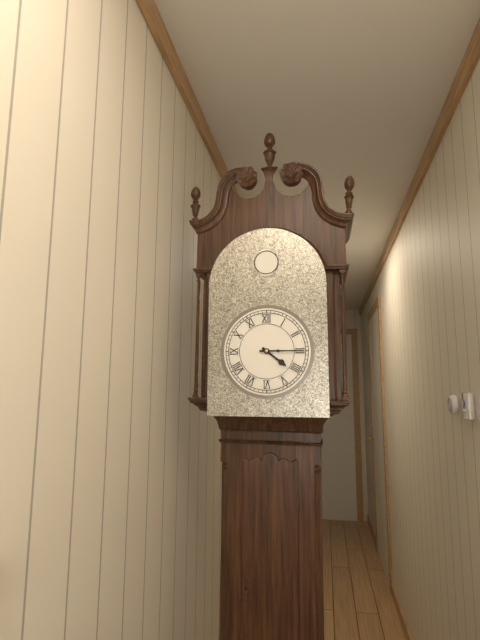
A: 4 h 15 min
